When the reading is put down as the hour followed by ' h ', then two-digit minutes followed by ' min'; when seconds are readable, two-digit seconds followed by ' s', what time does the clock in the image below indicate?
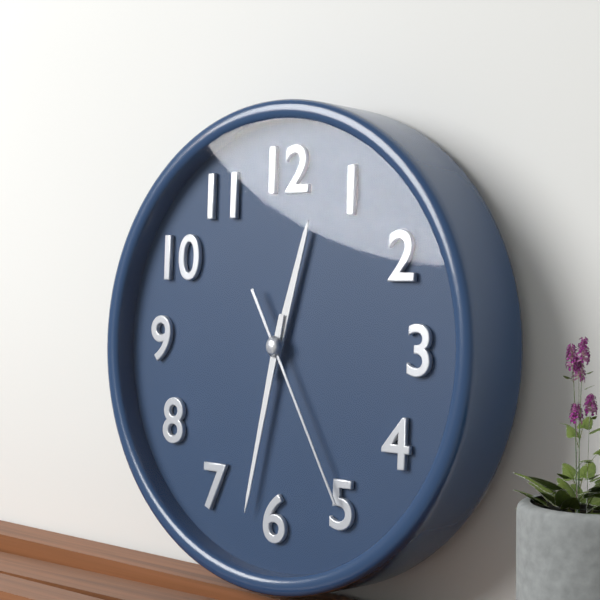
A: 12 h 32 min 25 s
